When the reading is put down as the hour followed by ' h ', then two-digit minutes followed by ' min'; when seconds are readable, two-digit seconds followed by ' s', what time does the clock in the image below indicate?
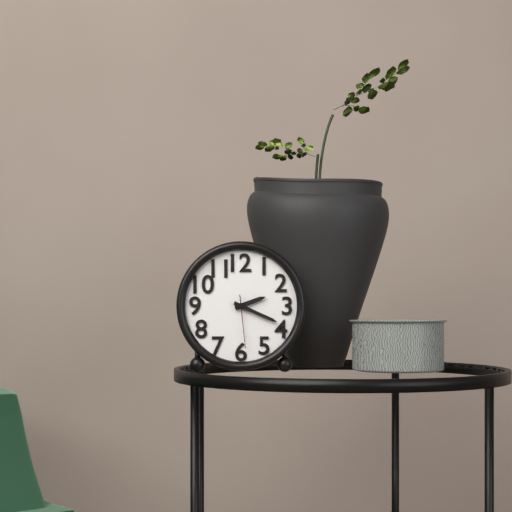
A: 2 h 19 min 29 s
